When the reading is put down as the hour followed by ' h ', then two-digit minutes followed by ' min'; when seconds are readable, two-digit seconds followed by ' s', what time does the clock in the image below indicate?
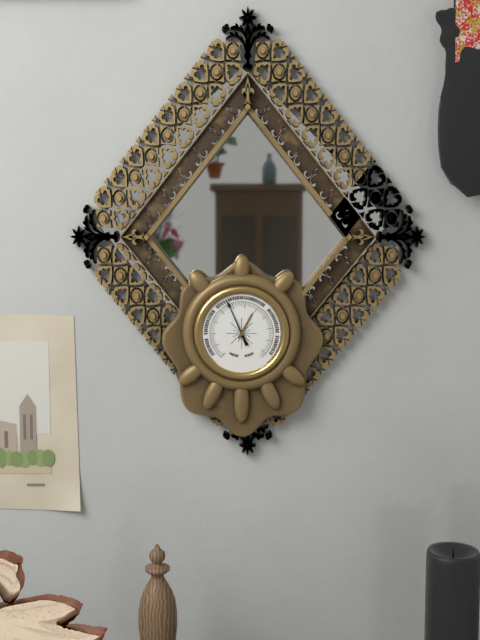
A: 12 h 56 min
